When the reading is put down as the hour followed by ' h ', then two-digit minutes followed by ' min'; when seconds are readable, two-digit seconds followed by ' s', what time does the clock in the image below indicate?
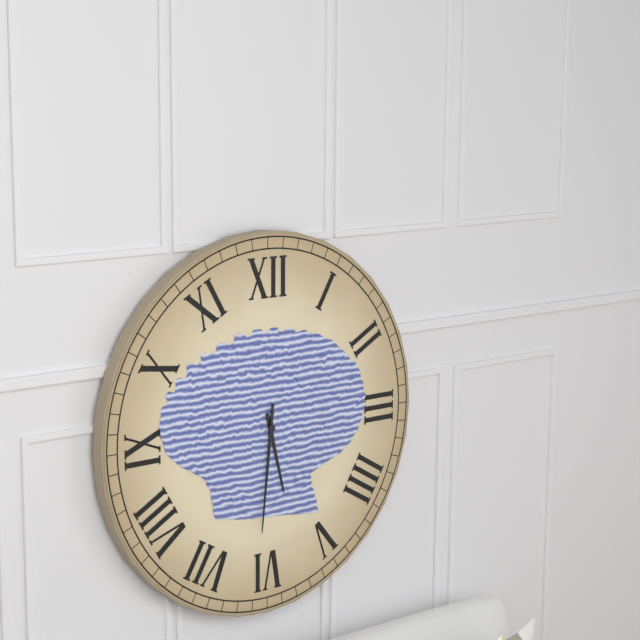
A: 5 h 31 min
